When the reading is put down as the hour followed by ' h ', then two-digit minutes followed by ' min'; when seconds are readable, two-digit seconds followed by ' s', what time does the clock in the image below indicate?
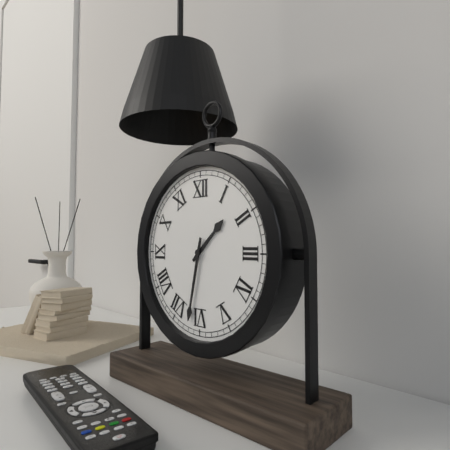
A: 1 h 32 min
